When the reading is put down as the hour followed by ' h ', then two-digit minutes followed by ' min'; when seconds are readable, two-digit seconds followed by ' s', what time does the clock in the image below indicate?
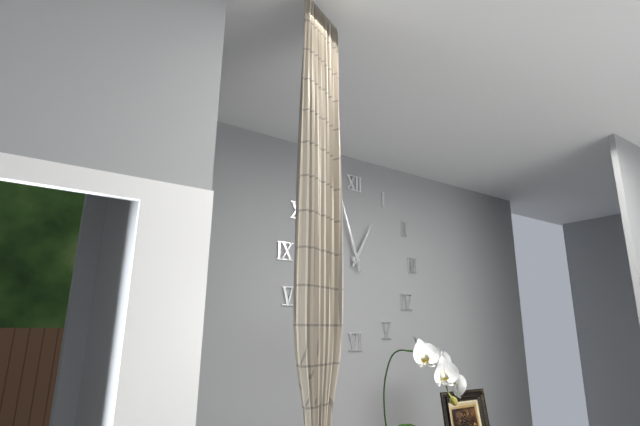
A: 12 h 57 min
